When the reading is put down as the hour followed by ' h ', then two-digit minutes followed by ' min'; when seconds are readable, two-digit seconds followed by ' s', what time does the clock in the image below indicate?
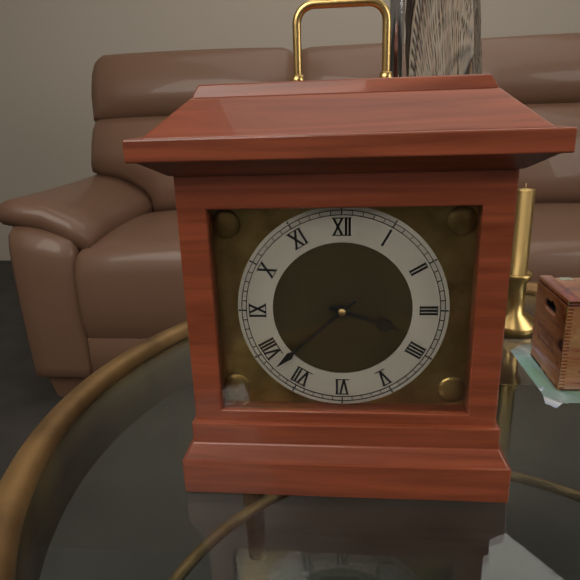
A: 3 h 38 min
